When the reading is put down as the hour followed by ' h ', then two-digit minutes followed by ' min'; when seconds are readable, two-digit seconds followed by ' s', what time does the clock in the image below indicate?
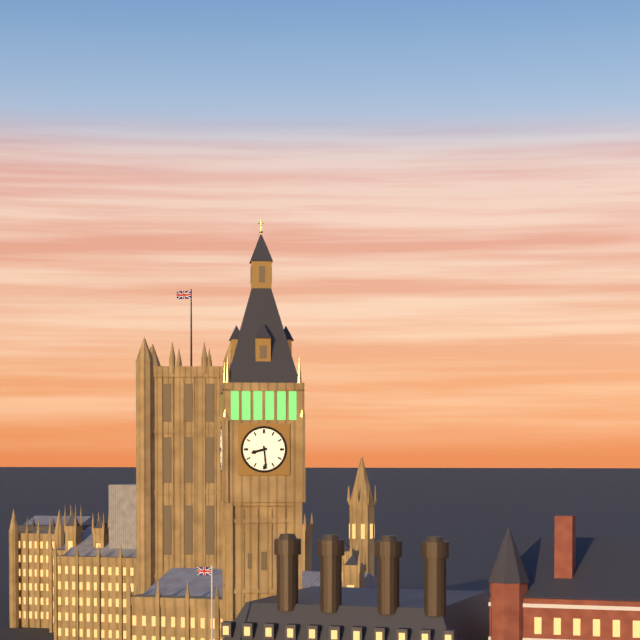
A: 8 h 29 min
